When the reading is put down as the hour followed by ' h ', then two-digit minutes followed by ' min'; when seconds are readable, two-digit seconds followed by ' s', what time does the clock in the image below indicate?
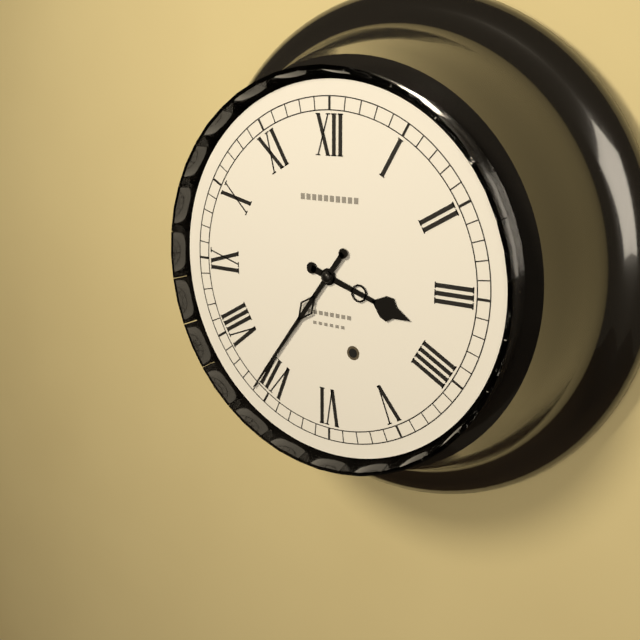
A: 3 h 36 min
